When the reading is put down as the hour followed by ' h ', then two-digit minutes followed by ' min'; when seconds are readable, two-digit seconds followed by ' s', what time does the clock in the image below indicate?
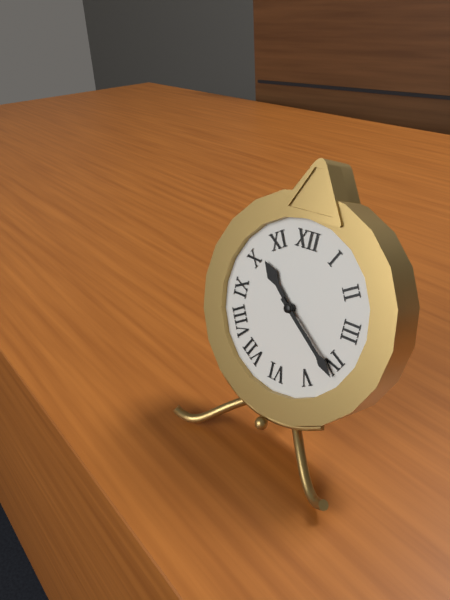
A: 10 h 21 min
